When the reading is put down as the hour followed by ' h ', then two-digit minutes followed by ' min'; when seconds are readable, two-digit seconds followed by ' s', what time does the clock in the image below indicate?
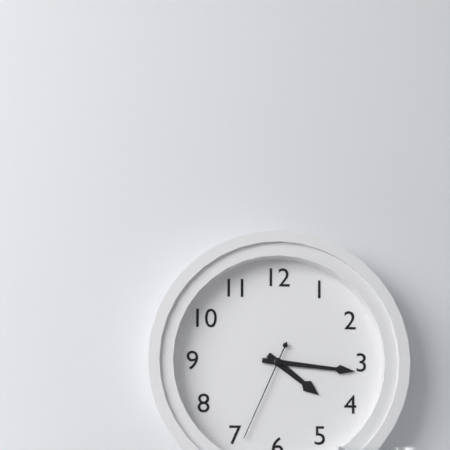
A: 4 h 16 min 34 s
